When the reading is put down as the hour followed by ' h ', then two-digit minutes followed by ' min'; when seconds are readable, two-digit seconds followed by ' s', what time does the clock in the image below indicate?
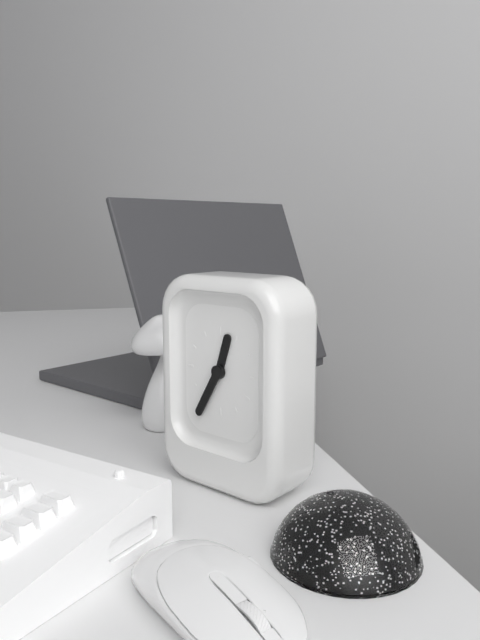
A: 12 h 35 min
